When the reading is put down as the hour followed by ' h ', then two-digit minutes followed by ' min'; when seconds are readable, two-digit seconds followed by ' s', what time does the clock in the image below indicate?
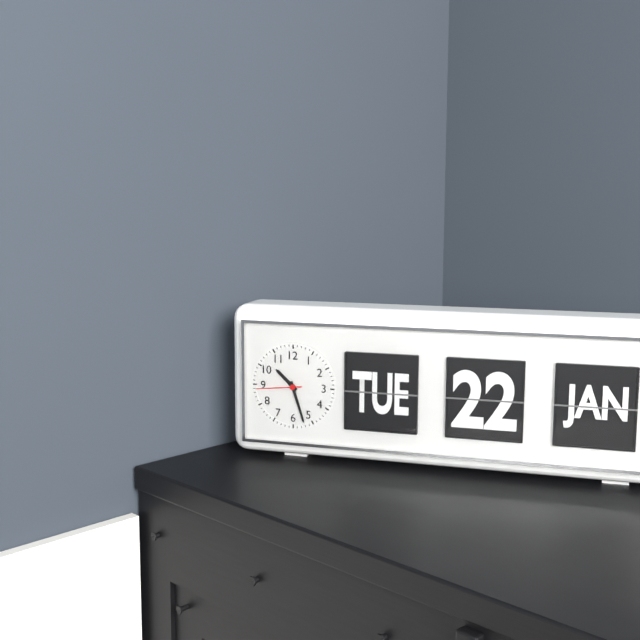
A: 10 h 27 min 44 s
